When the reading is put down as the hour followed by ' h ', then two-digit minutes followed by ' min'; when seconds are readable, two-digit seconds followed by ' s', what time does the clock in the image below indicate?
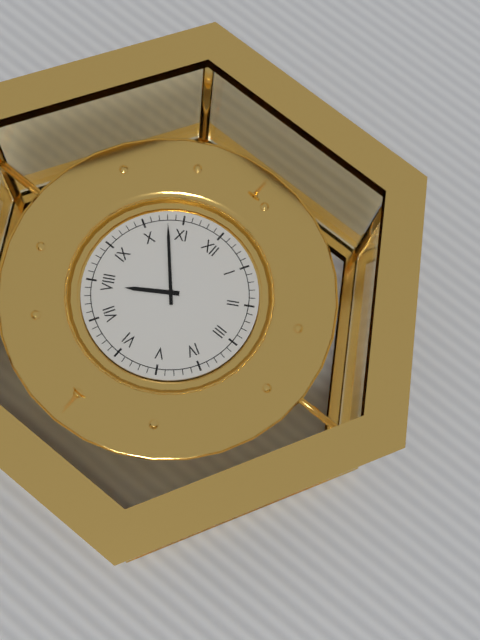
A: 7 h 53 min
